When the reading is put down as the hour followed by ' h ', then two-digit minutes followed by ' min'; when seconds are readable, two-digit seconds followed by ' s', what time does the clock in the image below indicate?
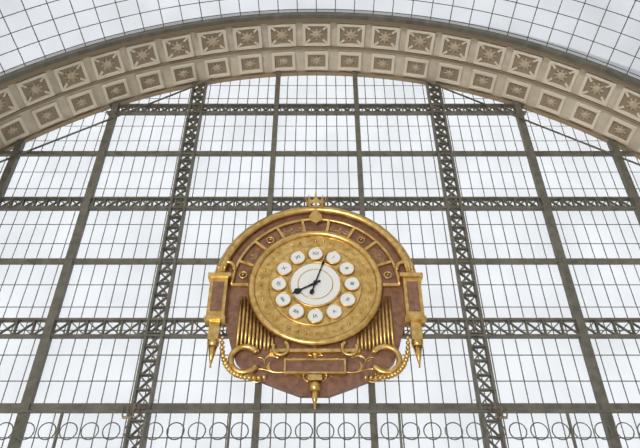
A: 8 h 03 min
